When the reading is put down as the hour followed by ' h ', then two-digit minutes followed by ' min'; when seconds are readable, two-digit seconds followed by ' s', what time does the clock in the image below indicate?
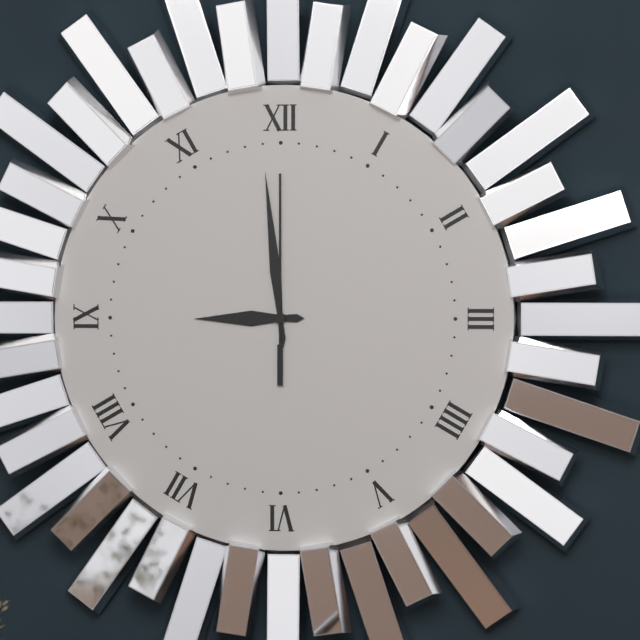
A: 8 h 59 min 00 s
